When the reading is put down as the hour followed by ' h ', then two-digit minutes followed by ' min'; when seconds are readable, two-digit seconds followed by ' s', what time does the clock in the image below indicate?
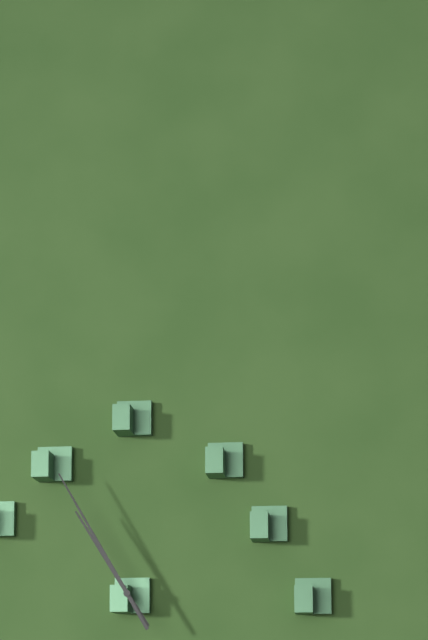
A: 10 h 55 min
